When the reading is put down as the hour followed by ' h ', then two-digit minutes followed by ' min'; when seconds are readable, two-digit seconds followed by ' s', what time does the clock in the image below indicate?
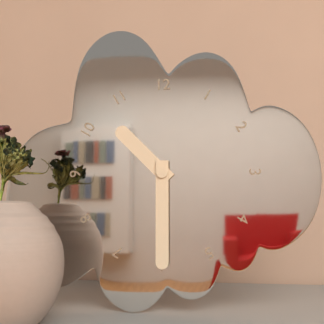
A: 10 h 30 min
